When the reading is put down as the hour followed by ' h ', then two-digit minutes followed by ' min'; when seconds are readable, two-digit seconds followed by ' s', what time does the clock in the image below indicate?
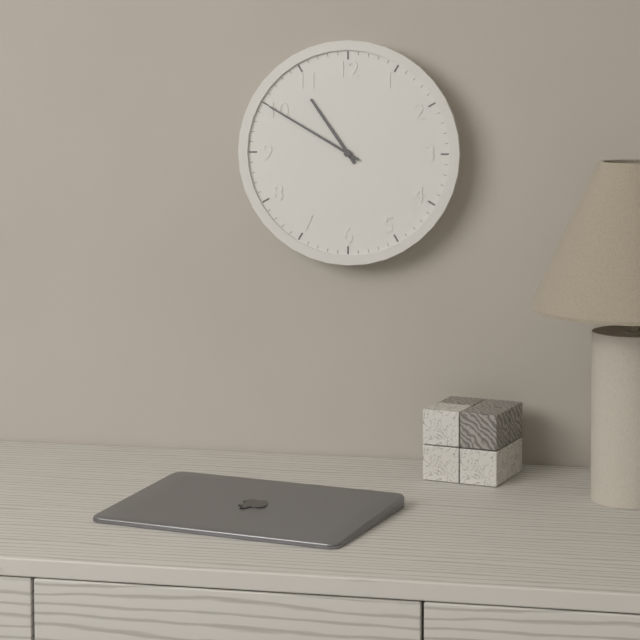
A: 10 h 50 min
